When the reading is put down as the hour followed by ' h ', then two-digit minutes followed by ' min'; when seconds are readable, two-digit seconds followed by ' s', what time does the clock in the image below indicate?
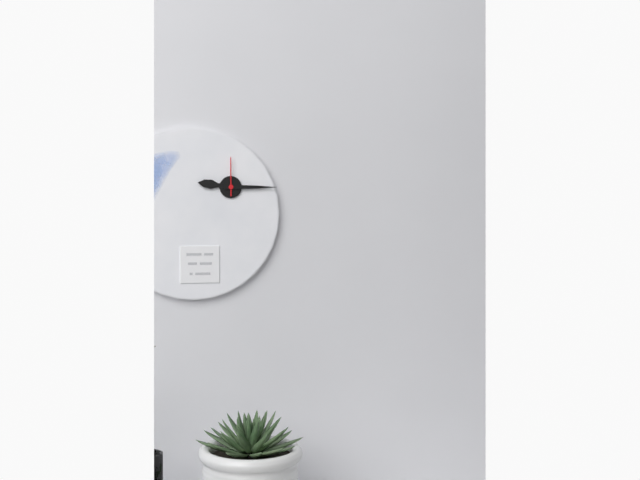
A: 9 h 15 min
